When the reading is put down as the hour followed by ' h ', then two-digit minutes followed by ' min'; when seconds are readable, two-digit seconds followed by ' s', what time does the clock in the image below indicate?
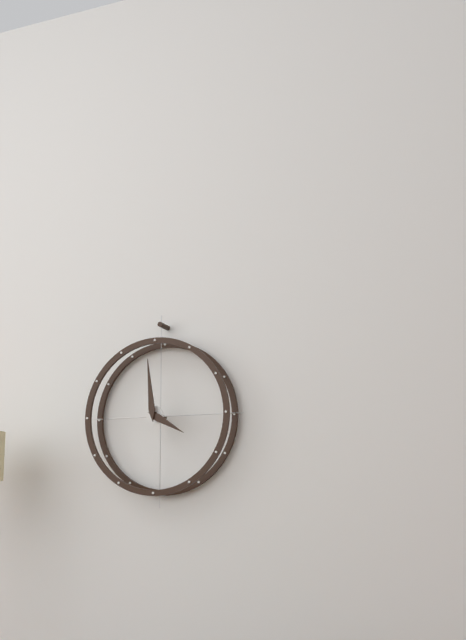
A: 3 h 59 min
